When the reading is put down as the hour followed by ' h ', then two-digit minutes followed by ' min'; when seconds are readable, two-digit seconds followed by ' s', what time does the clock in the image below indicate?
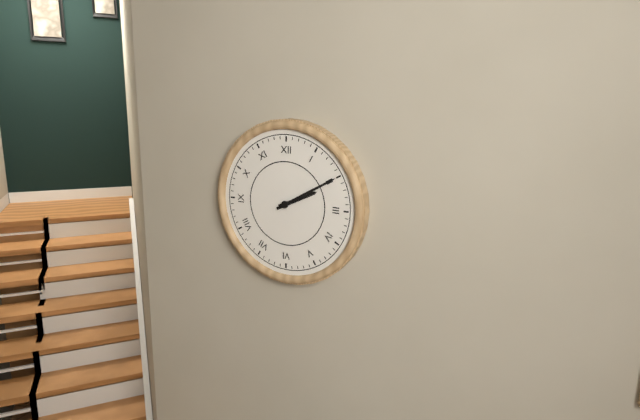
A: 2 h 10 min
